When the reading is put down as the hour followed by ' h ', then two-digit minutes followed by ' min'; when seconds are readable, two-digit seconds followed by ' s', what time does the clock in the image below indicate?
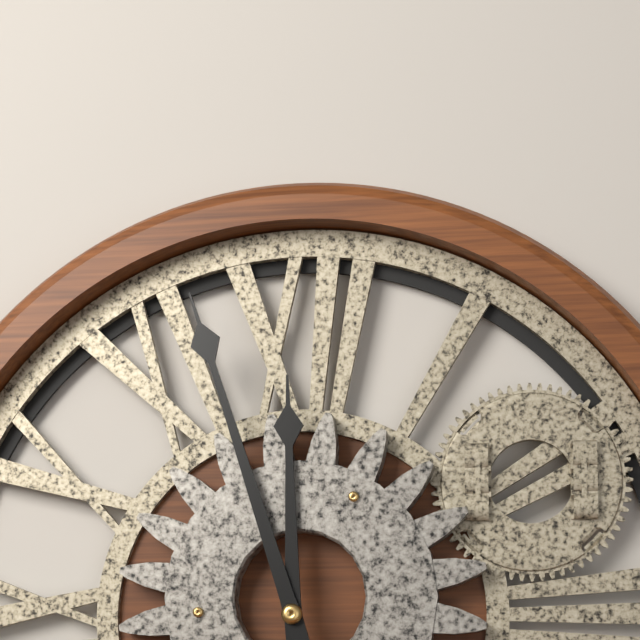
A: 11 h 57 min
